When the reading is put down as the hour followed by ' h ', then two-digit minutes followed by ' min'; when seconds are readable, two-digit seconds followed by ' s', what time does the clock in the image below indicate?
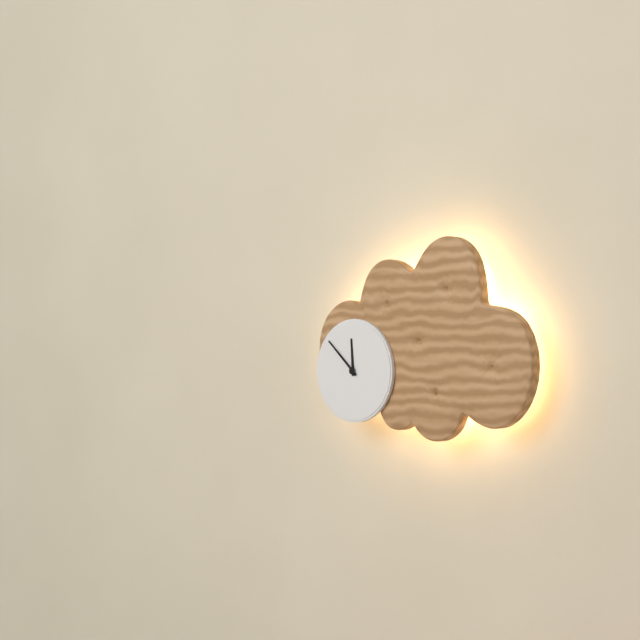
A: 11 h 52 min
